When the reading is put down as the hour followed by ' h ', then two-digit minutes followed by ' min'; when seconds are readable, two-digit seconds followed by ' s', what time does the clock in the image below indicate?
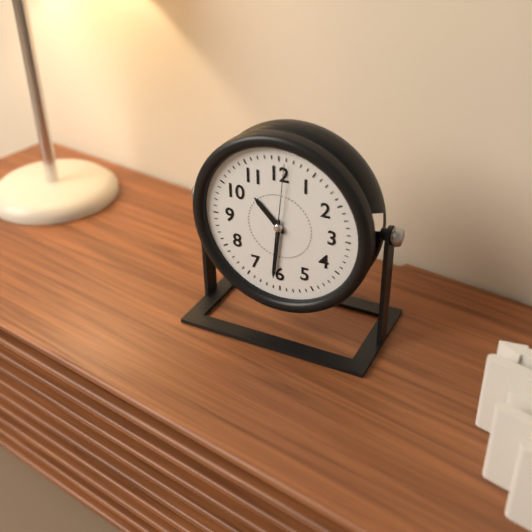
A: 10 h 31 min 01 s
